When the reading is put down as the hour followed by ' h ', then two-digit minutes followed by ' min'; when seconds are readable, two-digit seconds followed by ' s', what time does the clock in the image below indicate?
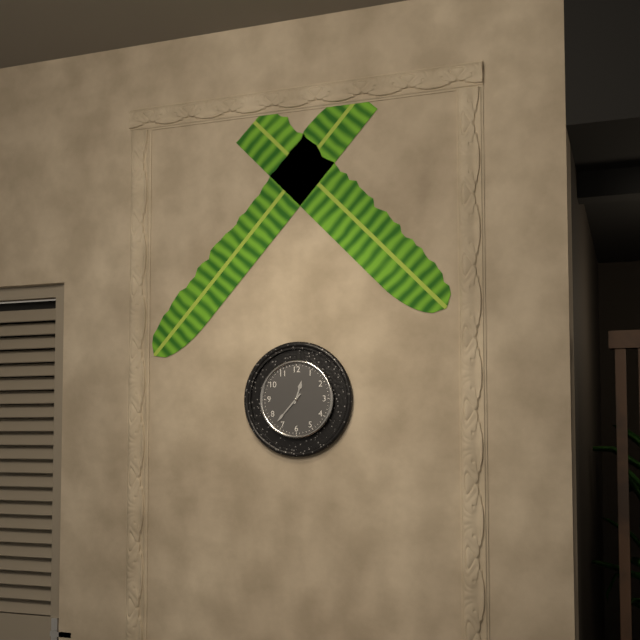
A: 12 h 37 min
